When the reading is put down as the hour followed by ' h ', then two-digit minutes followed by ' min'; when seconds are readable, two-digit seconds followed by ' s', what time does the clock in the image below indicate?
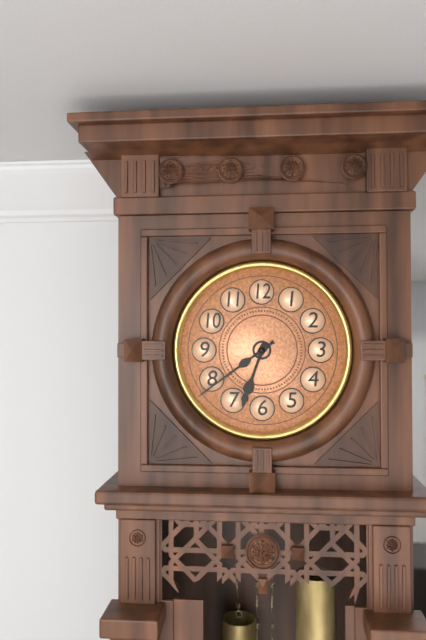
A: 6 h 39 min
